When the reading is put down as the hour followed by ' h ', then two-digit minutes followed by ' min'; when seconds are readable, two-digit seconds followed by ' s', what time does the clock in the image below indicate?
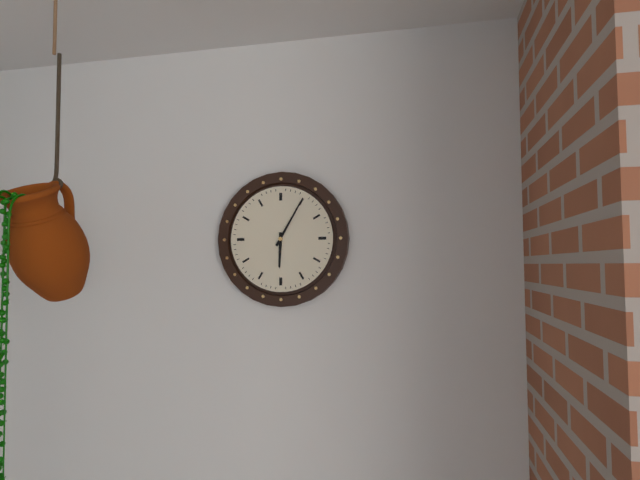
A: 6 h 05 min
